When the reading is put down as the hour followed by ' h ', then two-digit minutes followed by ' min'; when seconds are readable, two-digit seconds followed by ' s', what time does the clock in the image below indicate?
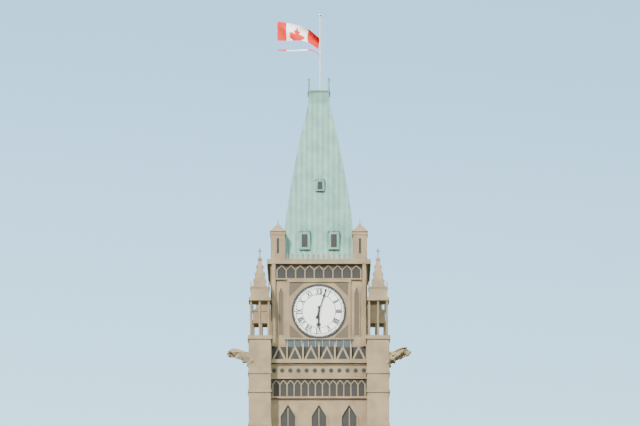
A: 6 h 03 min
